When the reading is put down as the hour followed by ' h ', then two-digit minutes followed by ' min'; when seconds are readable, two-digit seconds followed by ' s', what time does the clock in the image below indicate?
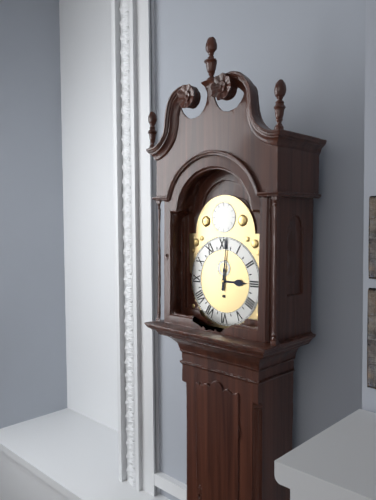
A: 3 h 01 min
